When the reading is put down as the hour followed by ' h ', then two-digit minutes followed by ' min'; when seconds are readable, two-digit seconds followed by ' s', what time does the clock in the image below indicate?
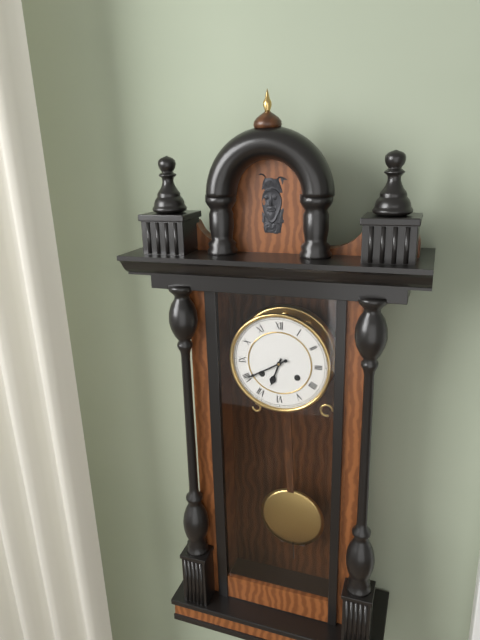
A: 6 h 40 min
